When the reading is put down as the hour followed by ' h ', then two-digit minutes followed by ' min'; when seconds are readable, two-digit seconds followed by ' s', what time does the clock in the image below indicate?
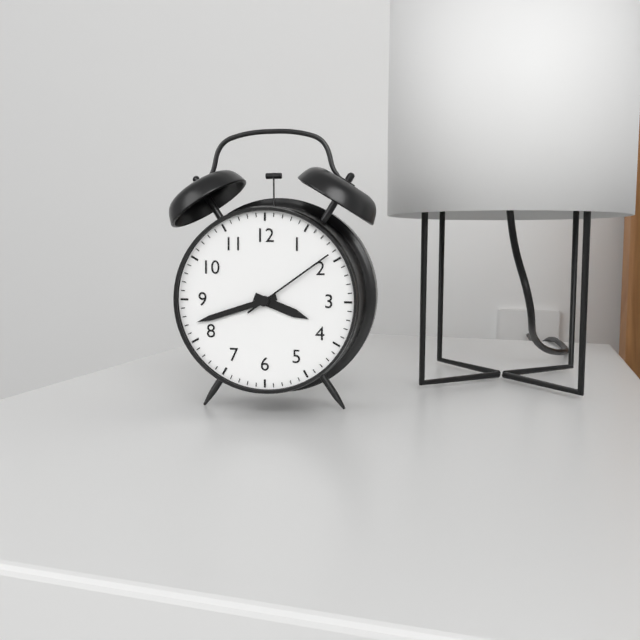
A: 3 h 42 min 09 s
